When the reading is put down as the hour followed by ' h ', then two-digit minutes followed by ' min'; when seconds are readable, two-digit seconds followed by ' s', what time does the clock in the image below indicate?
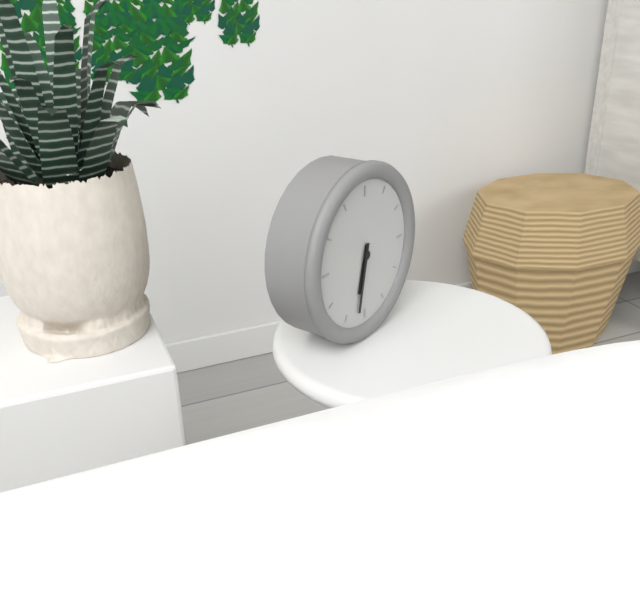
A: 6 h 32 min
